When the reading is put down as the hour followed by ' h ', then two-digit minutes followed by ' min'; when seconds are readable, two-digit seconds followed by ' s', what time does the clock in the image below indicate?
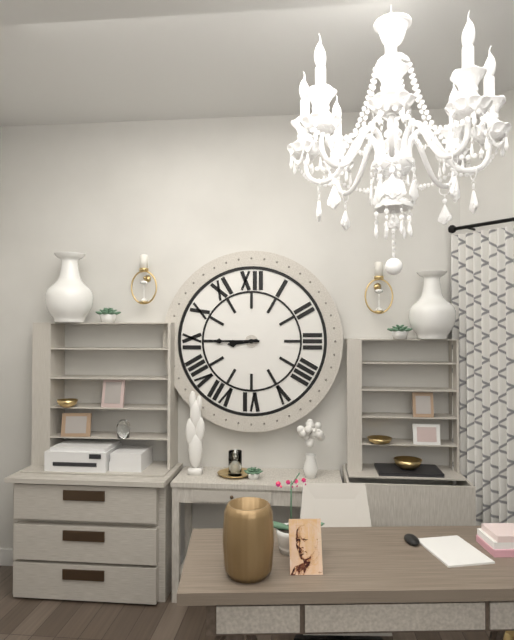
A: 8 h 45 min
